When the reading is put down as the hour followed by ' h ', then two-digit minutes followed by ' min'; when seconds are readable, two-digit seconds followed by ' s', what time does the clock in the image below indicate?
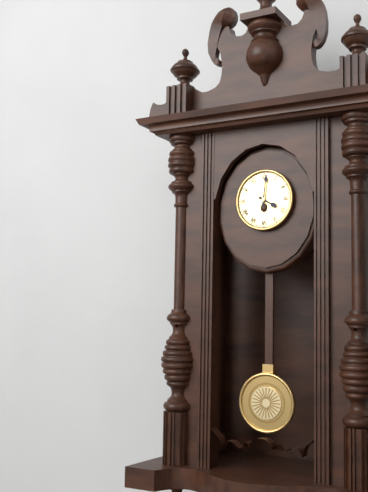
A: 4 h 01 min
